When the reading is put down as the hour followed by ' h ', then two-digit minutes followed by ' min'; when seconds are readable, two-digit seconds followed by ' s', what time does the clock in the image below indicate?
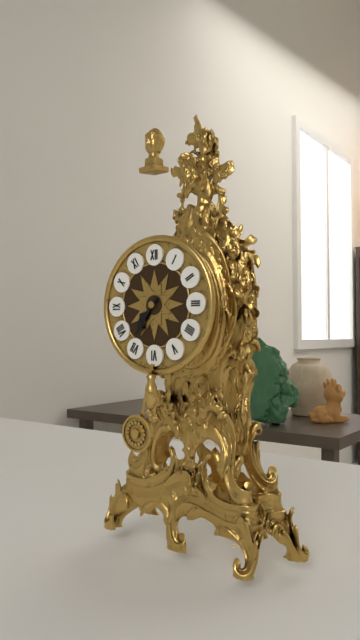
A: 7 h 36 min
